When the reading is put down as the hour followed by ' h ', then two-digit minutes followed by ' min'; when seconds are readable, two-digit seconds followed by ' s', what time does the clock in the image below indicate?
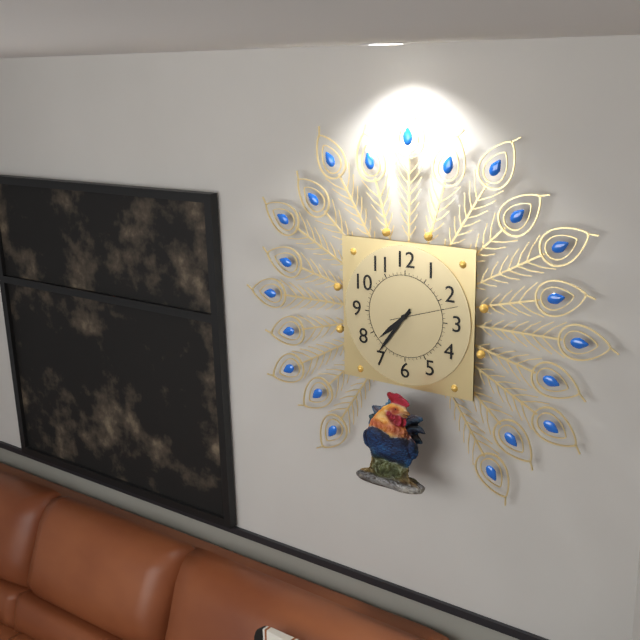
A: 7 h 36 min 12 s
